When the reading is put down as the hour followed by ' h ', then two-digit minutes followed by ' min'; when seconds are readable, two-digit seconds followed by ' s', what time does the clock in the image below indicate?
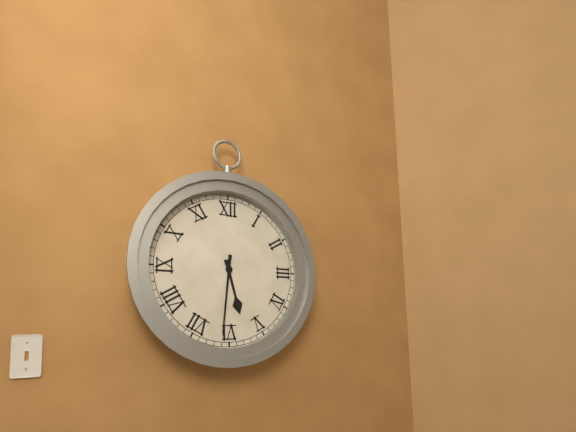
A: 5 h 31 min
